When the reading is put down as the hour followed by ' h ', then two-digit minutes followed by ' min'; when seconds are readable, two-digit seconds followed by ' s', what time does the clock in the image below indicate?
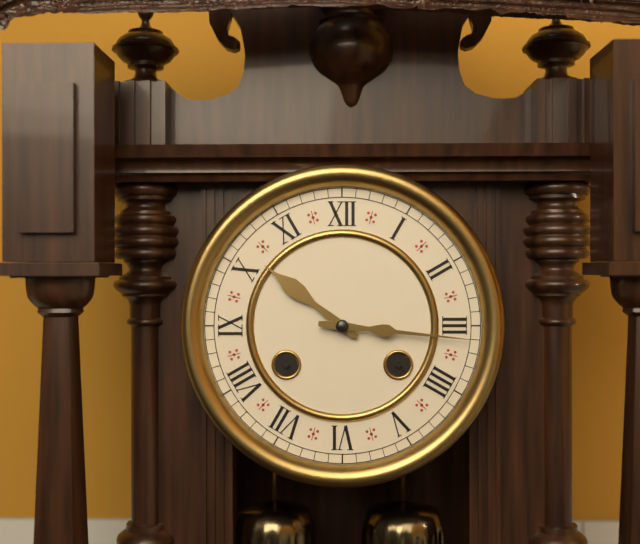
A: 10 h 16 min
